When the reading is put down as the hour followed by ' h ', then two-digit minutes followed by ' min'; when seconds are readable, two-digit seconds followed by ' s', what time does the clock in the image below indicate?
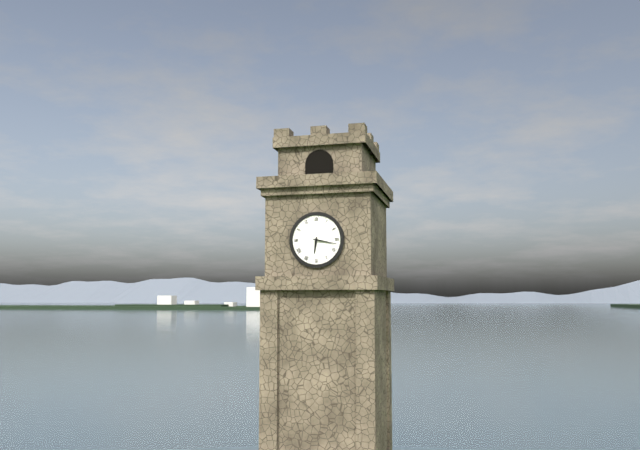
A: 6 h 17 min
